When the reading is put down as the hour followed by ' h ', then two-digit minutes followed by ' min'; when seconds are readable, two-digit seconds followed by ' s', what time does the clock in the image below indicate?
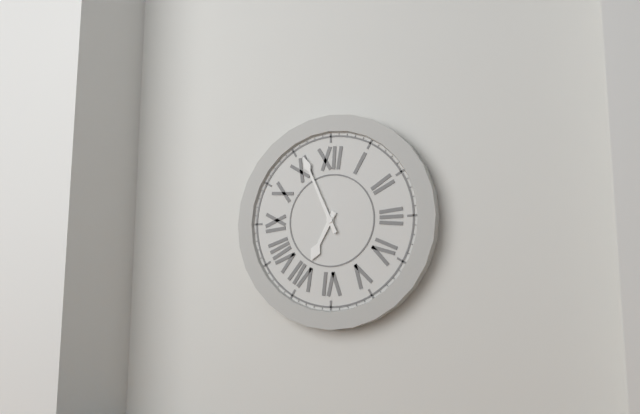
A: 6 h 56 min
